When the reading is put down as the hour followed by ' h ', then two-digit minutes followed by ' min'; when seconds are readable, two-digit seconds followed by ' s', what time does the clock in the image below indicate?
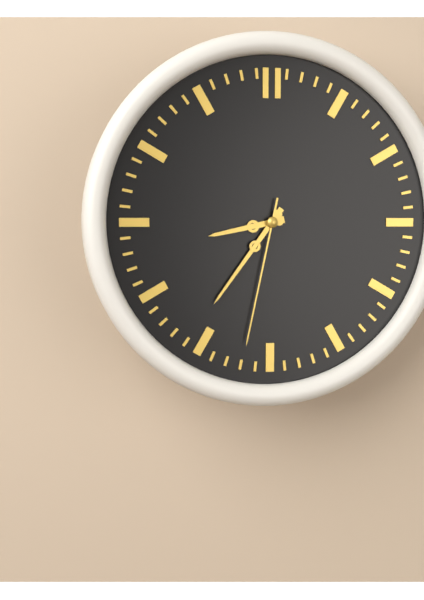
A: 8 h 36 min 32 s
